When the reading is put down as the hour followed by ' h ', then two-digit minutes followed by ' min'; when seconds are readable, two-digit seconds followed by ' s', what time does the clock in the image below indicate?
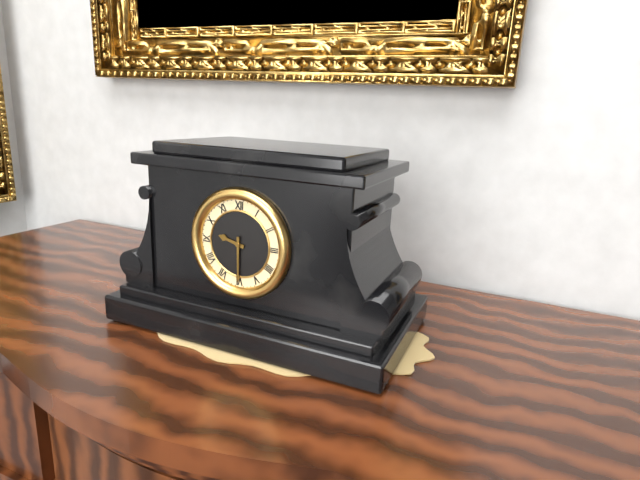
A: 9 h 30 min
